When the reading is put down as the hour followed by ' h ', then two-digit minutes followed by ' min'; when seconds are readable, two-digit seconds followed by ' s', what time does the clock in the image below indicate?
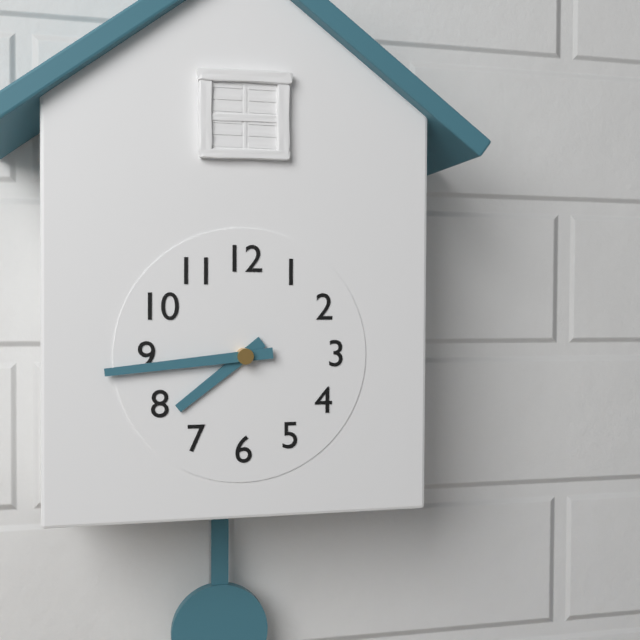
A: 7 h 44 min
